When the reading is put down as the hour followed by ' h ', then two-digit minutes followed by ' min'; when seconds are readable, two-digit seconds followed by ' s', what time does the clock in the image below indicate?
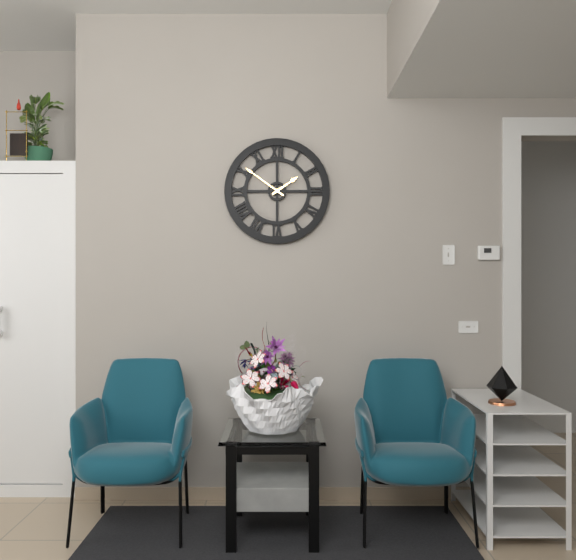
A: 1 h 51 min
